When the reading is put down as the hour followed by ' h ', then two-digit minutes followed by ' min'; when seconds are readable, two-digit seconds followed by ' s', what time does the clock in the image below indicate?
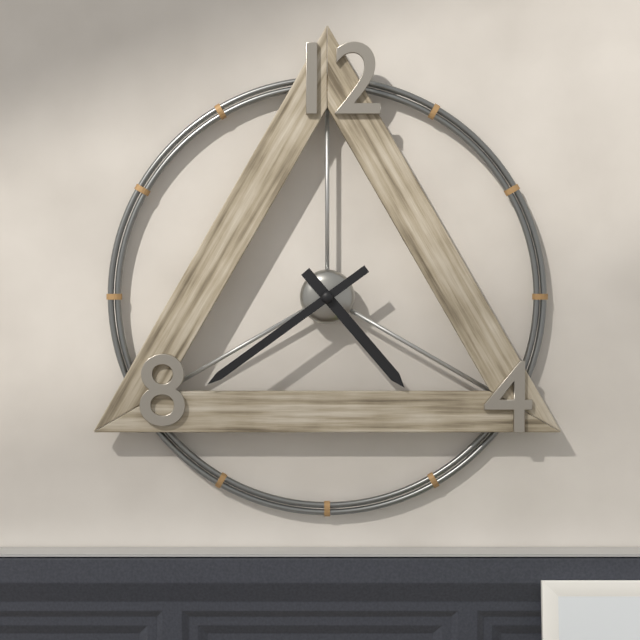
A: 4 h 39 min
